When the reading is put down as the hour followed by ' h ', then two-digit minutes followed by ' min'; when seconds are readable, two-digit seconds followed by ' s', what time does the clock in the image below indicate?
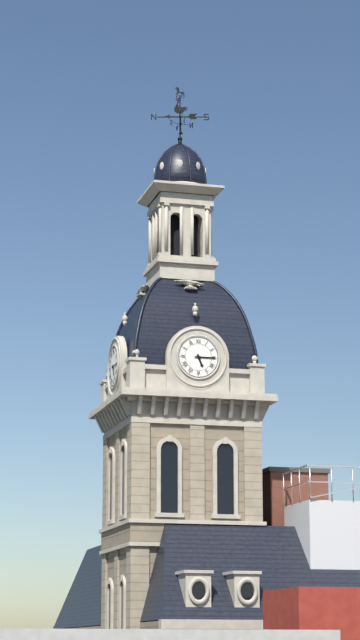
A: 5 h 15 min
